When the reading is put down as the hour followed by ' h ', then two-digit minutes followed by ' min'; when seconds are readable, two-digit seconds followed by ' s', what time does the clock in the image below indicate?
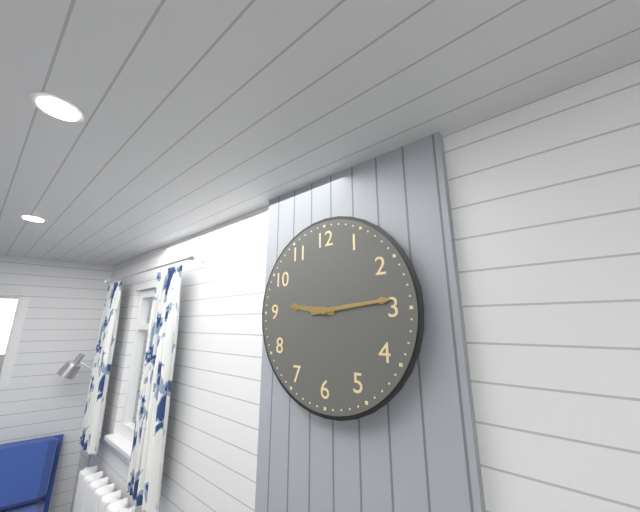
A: 9 h 14 min
